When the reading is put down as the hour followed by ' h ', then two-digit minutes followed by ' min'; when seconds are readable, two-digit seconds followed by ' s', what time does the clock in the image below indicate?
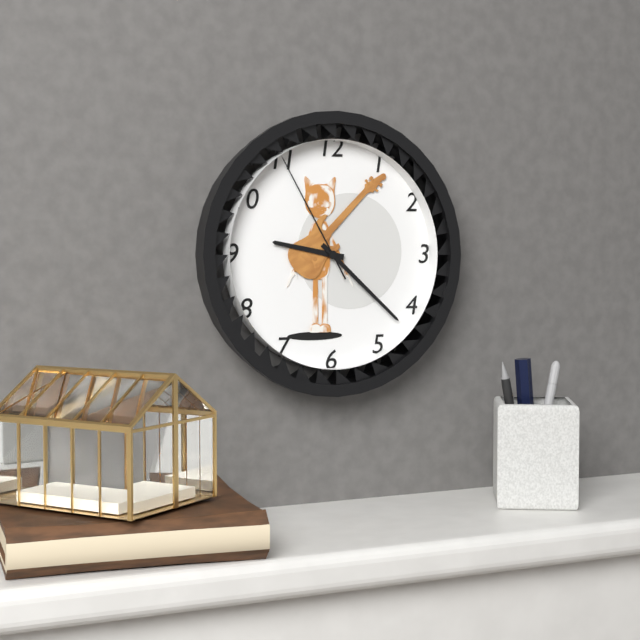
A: 9 h 22 min 55 s
